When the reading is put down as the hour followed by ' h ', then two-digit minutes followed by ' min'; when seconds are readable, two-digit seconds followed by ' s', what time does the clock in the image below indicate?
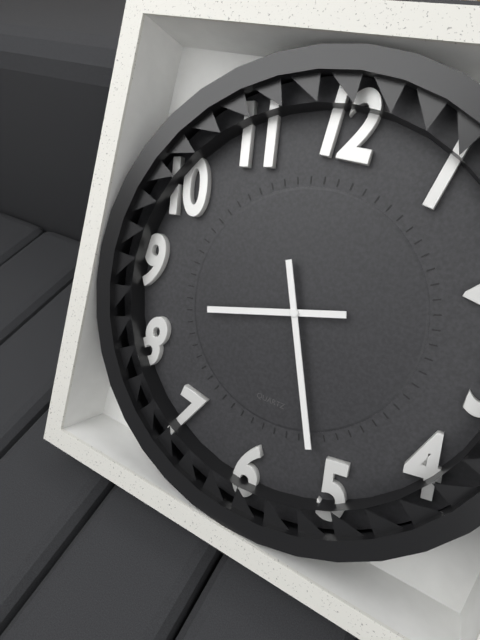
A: 8 h 26 min
